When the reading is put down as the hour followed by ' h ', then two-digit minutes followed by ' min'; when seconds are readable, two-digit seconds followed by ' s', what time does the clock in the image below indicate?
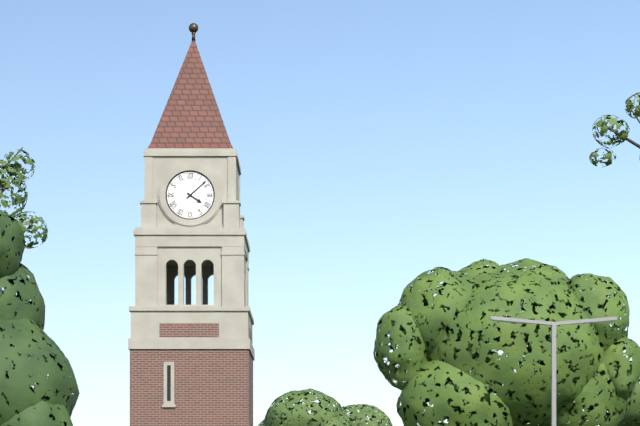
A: 4 h 08 min
